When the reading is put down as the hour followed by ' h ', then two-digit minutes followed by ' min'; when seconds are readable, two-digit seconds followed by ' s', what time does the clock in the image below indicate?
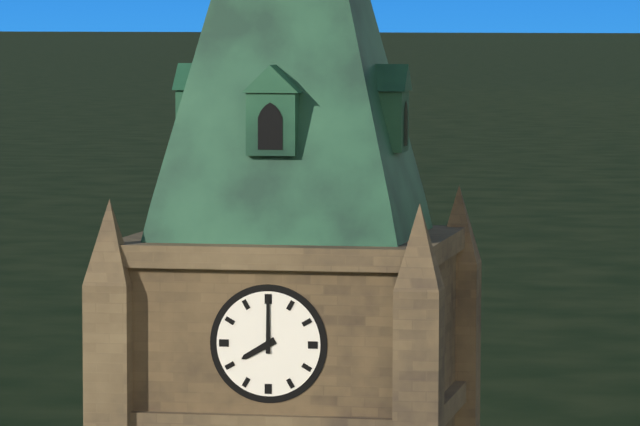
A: 8 h 00 min
